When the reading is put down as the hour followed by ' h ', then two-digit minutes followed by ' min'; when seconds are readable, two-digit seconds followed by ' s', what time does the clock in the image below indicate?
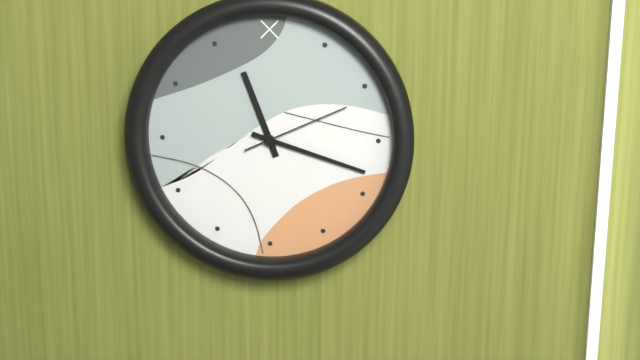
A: 11 h 18 min 11 s
